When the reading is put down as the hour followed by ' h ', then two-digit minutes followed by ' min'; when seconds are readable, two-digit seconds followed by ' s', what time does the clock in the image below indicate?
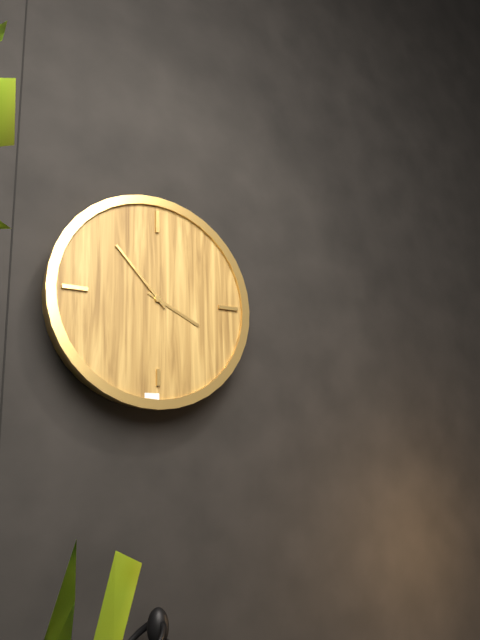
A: 3 h 53 min
